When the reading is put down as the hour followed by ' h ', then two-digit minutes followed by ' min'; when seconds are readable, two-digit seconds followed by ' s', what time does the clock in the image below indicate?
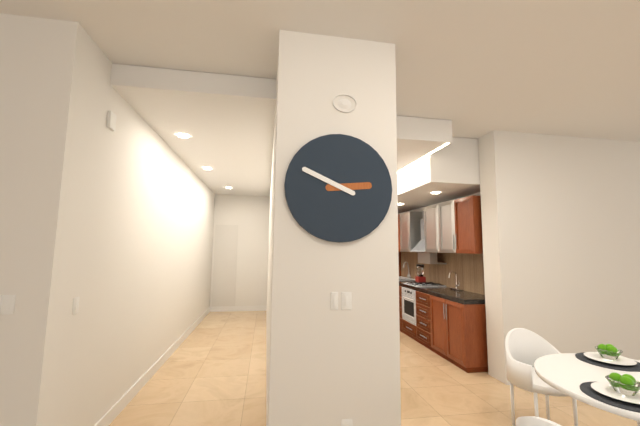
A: 2 h 49 min
